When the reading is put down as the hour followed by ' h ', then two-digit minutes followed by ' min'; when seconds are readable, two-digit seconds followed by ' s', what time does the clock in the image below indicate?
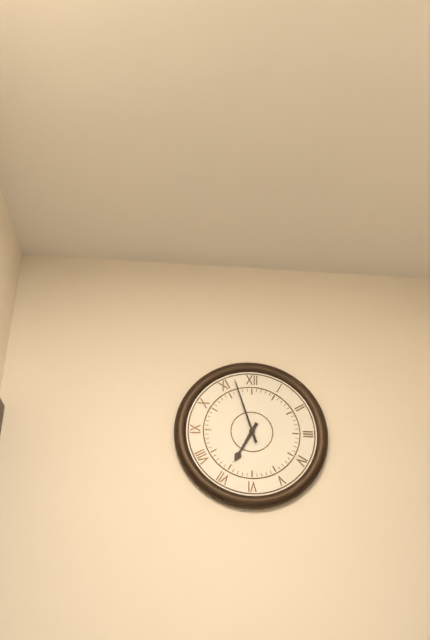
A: 6 h 57 min
